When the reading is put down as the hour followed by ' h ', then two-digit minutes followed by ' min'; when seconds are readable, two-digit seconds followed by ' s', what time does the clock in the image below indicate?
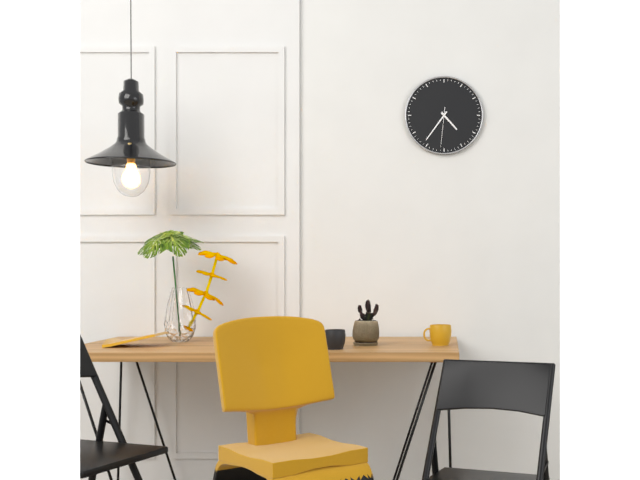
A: 4 h 36 min
